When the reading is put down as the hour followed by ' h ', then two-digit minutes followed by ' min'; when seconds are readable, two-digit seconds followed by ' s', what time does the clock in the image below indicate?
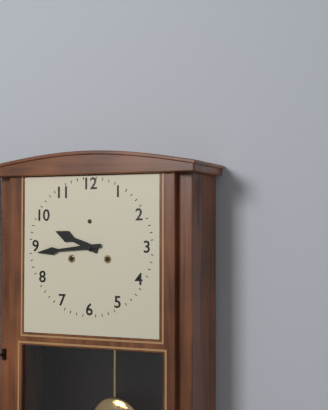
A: 9 h 44 min
